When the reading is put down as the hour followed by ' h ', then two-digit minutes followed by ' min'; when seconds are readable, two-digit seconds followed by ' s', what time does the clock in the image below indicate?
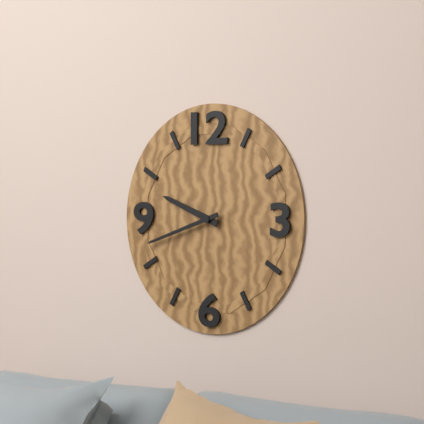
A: 9 h 42 min
